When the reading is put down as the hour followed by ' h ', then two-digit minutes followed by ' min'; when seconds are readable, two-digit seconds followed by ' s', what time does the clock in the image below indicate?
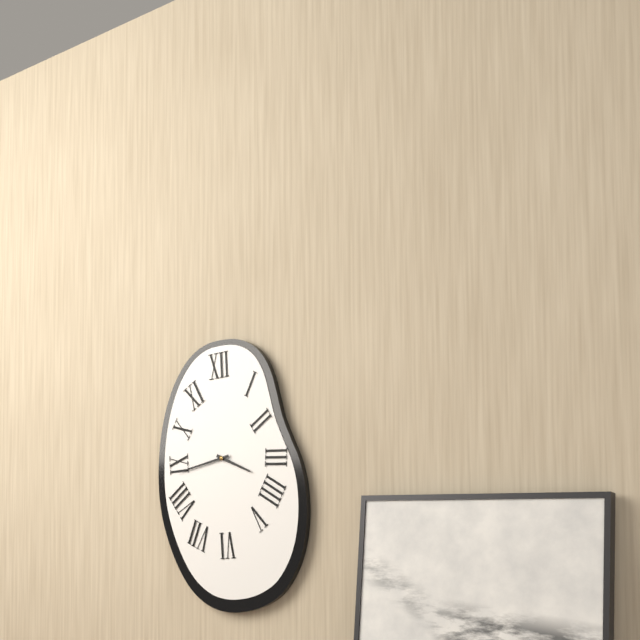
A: 3 h 43 min
